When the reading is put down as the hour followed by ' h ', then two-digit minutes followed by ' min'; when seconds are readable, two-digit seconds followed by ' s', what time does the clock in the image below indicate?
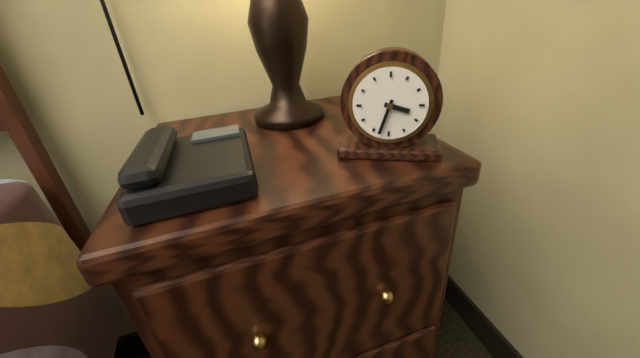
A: 3 h 33 min
